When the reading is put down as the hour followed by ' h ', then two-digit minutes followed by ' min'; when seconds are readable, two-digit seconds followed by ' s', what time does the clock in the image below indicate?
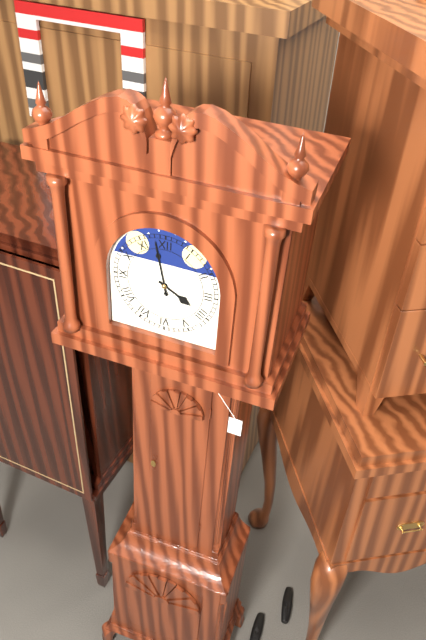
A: 3 h 58 min
